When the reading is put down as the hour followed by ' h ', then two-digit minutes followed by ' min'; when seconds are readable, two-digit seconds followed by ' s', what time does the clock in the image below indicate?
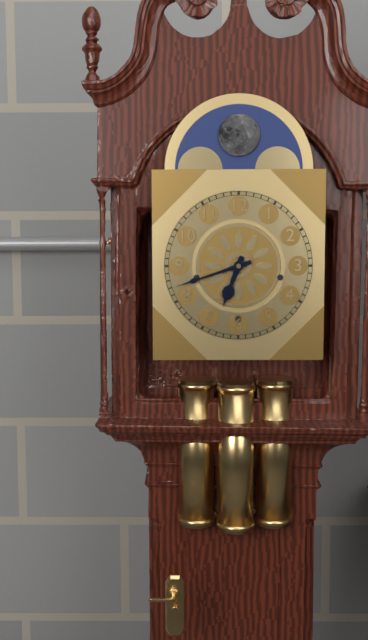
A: 6 h 42 min
